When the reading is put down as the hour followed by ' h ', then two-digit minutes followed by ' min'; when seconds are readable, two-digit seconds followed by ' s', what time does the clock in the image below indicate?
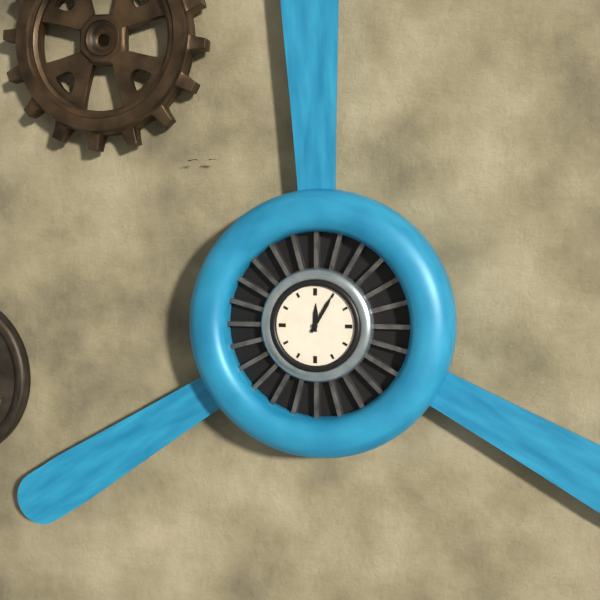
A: 12 h 05 min
